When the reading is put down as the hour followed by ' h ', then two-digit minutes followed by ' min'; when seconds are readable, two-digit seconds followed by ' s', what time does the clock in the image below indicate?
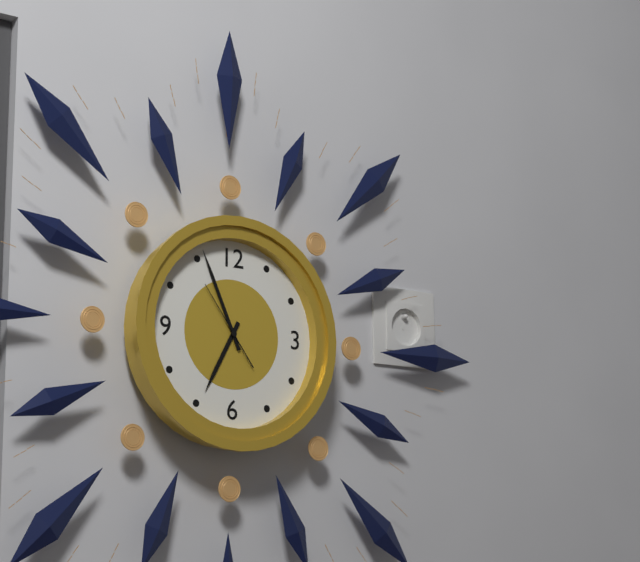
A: 6 h 56 min 54 s
